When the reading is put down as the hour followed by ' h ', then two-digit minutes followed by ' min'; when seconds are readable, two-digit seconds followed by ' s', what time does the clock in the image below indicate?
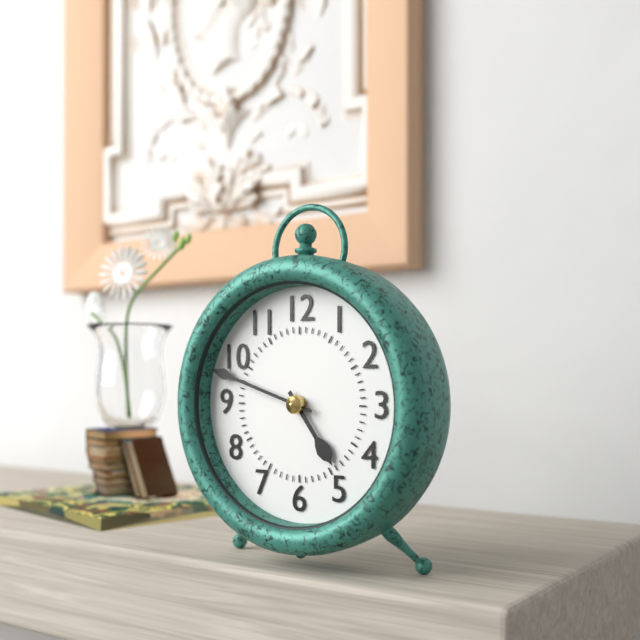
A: 4 h 48 min
